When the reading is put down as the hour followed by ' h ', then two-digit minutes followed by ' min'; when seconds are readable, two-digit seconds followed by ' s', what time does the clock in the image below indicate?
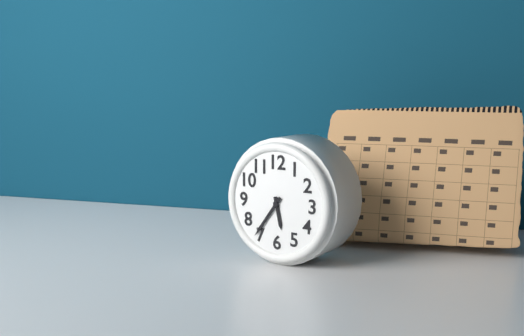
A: 5 h 36 min
